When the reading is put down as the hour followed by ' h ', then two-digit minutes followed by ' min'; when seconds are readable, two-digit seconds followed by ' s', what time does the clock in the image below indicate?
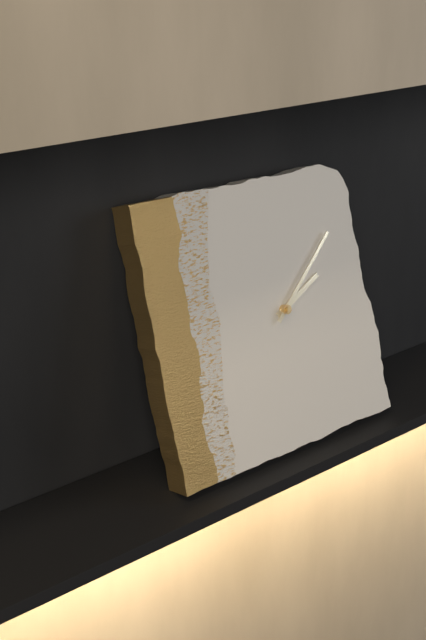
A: 2 h 08 min
